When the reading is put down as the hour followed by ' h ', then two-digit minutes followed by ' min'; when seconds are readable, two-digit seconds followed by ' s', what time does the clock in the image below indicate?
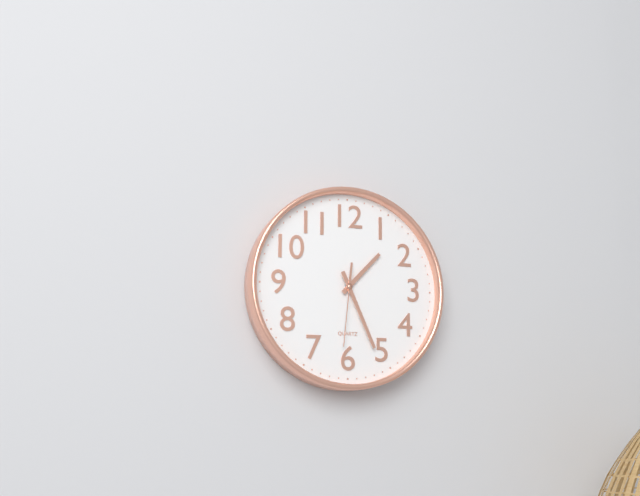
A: 1 h 26 min 31 s
